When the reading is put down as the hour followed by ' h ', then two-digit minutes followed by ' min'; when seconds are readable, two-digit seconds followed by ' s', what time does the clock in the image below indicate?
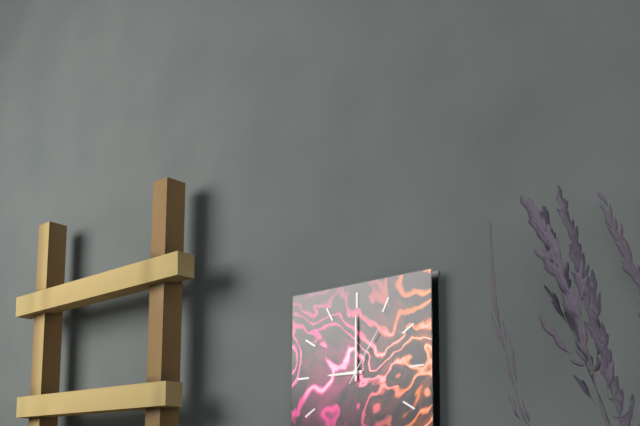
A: 9 h 00 min 06 s
